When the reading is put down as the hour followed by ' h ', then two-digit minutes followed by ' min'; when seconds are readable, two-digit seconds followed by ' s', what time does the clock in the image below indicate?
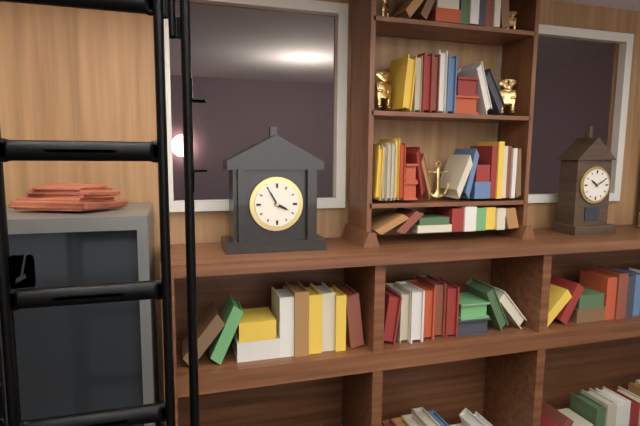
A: 3 h 55 min
